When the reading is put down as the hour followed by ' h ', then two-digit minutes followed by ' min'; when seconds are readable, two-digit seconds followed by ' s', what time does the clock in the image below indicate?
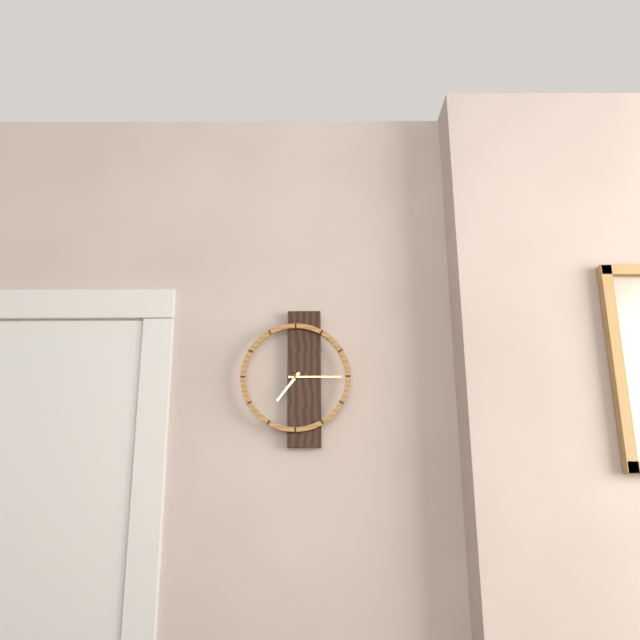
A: 7 h 15 min
